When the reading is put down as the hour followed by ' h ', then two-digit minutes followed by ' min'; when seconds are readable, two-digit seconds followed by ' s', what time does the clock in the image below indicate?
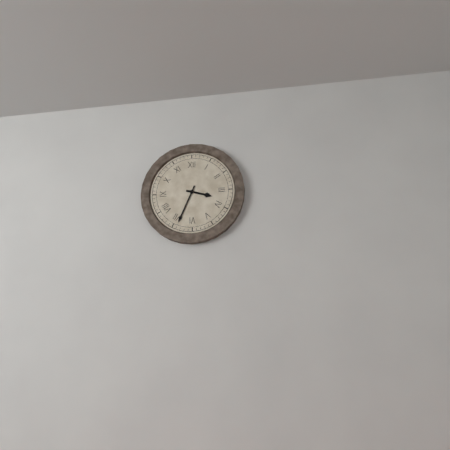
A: 3 h 34 min
